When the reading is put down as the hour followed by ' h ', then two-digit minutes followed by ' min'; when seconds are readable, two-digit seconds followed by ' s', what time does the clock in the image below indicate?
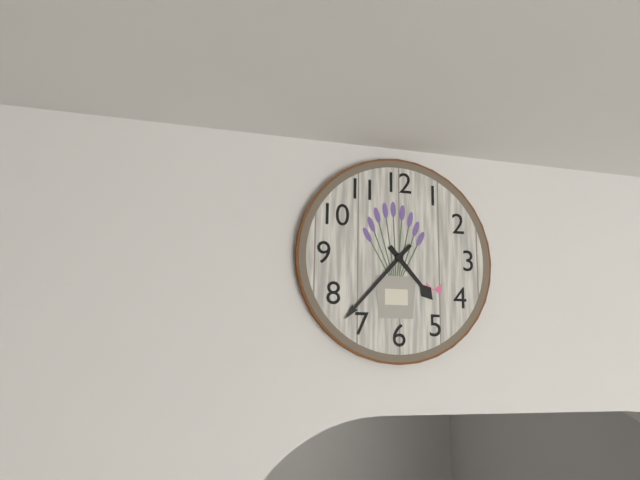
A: 4 h 37 min
